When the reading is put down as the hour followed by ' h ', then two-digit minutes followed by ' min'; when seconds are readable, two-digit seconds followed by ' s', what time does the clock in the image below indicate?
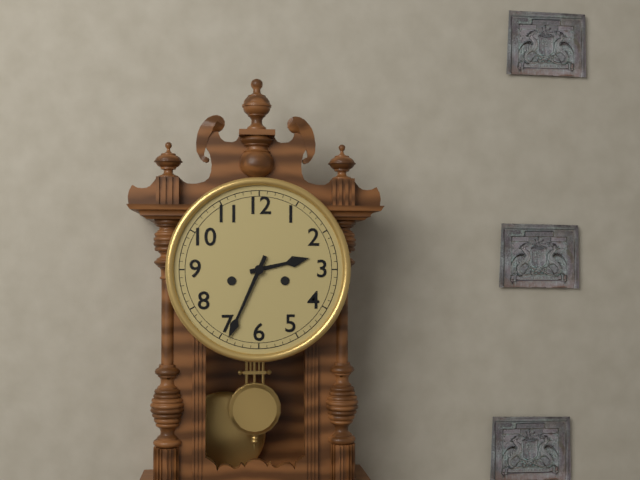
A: 2 h 34 min
